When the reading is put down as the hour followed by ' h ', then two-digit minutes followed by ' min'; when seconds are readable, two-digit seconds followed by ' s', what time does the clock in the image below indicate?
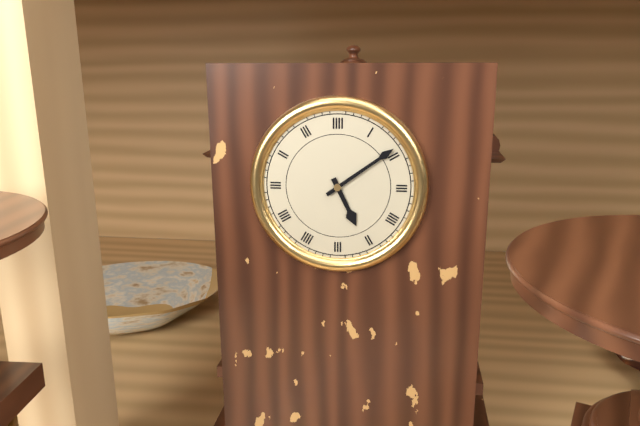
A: 5 h 09 min
